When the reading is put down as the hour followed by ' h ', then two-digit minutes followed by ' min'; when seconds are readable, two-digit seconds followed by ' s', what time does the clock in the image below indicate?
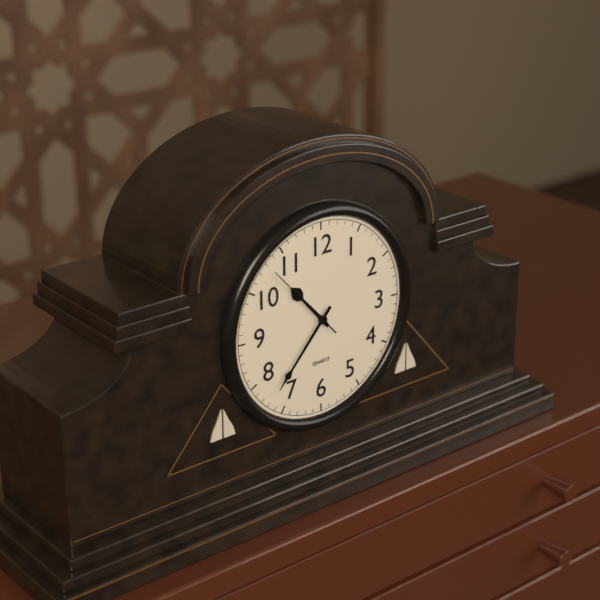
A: 10 h 37 min 53 s
